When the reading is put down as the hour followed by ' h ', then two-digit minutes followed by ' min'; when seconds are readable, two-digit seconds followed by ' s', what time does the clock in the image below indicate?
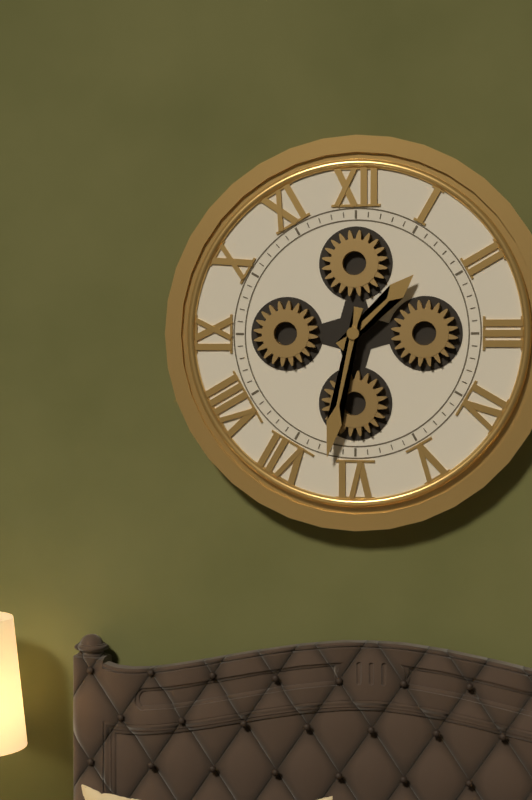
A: 1 h 32 min
